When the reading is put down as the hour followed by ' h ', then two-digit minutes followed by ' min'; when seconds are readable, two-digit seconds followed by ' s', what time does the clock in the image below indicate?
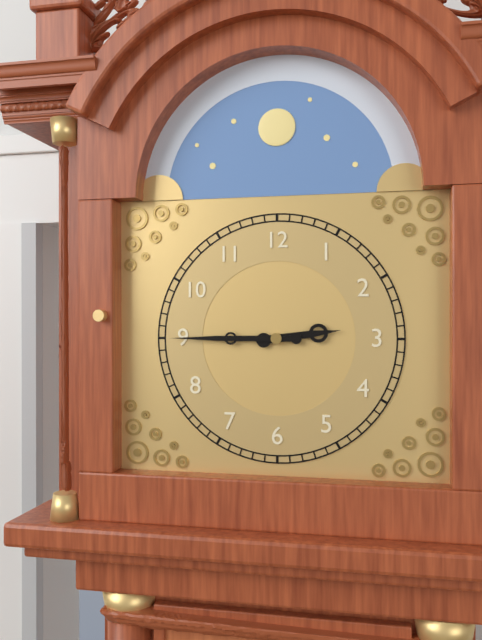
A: 2 h 45 min
